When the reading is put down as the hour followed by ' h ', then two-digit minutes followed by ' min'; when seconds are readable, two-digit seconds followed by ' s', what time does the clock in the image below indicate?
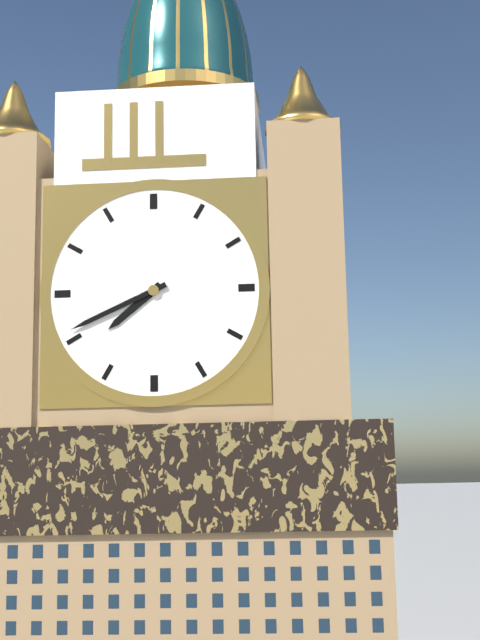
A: 7 h 41 min
